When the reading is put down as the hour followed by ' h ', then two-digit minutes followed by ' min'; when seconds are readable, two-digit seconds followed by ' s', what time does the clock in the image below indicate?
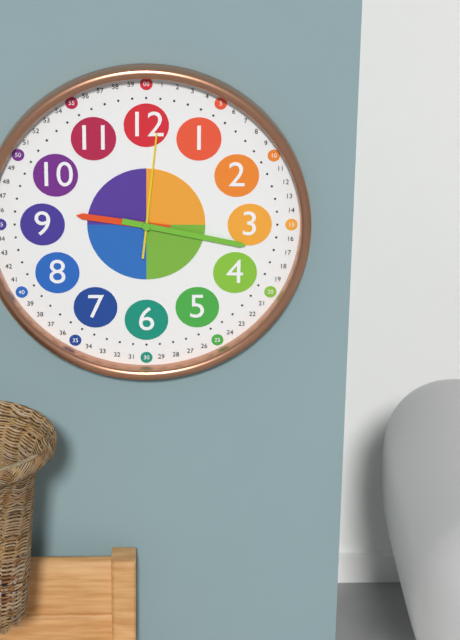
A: 9 h 17 min 01 s
